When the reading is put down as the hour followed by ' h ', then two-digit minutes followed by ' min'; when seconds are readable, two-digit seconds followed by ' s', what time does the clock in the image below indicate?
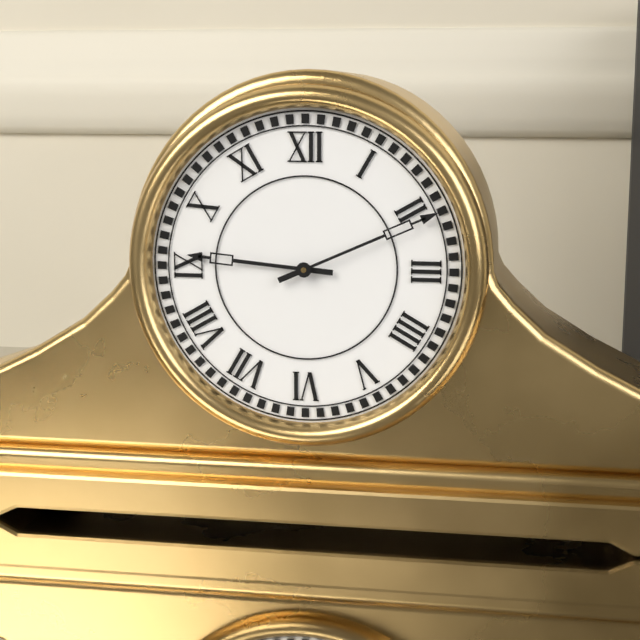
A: 9 h 11 min
